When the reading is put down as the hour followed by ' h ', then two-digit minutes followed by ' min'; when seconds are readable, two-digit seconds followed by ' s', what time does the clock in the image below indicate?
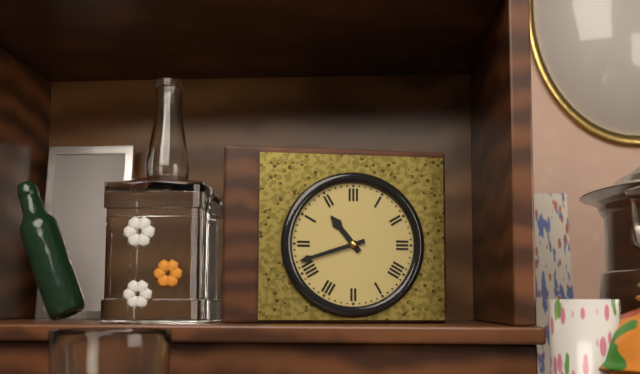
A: 10 h 42 min
